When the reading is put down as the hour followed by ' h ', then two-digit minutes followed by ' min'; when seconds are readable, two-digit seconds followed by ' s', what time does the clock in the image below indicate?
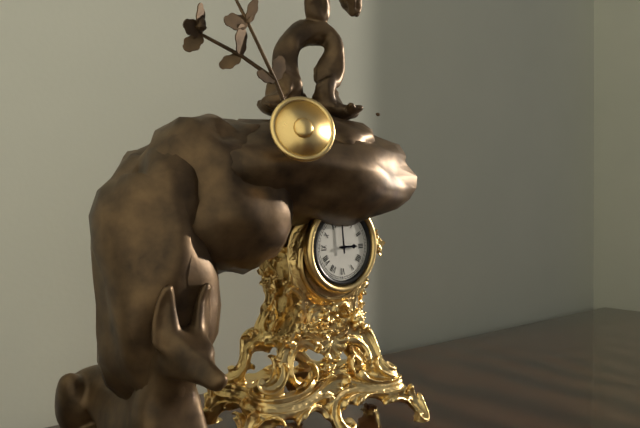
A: 2 h 59 min
